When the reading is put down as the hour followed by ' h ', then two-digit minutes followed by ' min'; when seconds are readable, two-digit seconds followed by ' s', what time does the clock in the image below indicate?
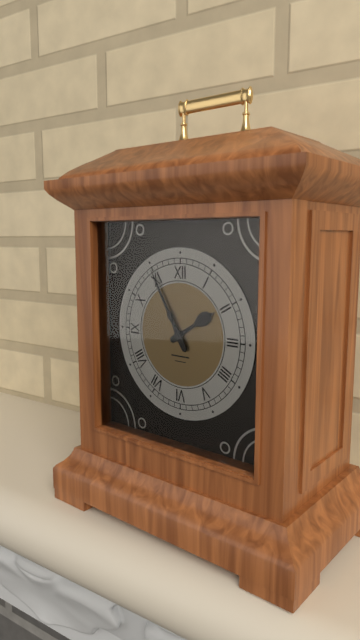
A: 1 h 55 min
